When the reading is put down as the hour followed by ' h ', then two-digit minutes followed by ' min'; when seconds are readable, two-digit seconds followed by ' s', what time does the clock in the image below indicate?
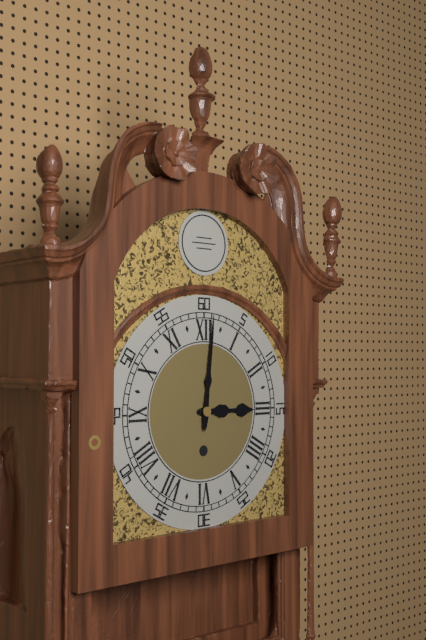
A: 3 h 01 min
